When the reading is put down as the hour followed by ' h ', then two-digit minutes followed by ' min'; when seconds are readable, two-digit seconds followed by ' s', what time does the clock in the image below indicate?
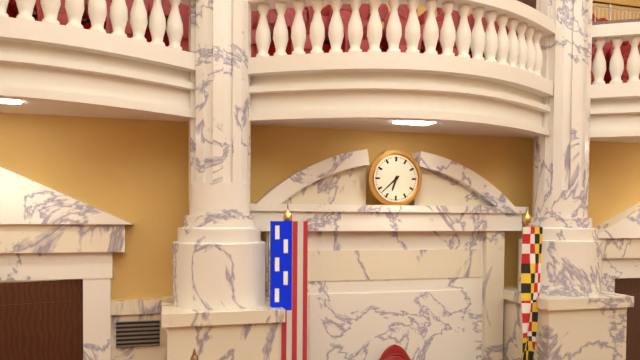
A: 6 h 38 min
